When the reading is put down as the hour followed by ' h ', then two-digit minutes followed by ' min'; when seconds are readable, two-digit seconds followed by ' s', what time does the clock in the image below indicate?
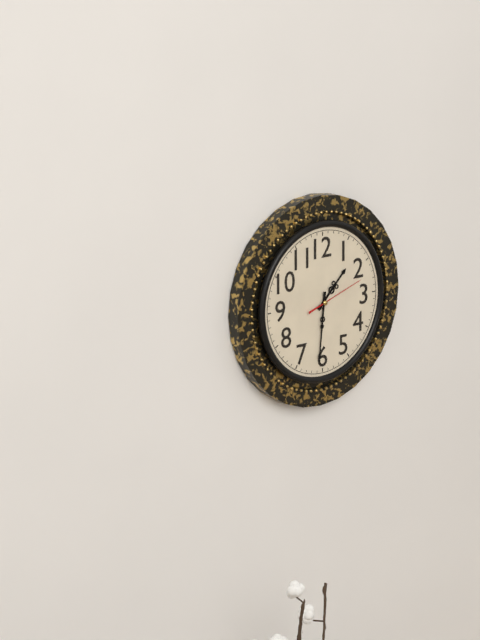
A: 1 h 31 min 12 s
